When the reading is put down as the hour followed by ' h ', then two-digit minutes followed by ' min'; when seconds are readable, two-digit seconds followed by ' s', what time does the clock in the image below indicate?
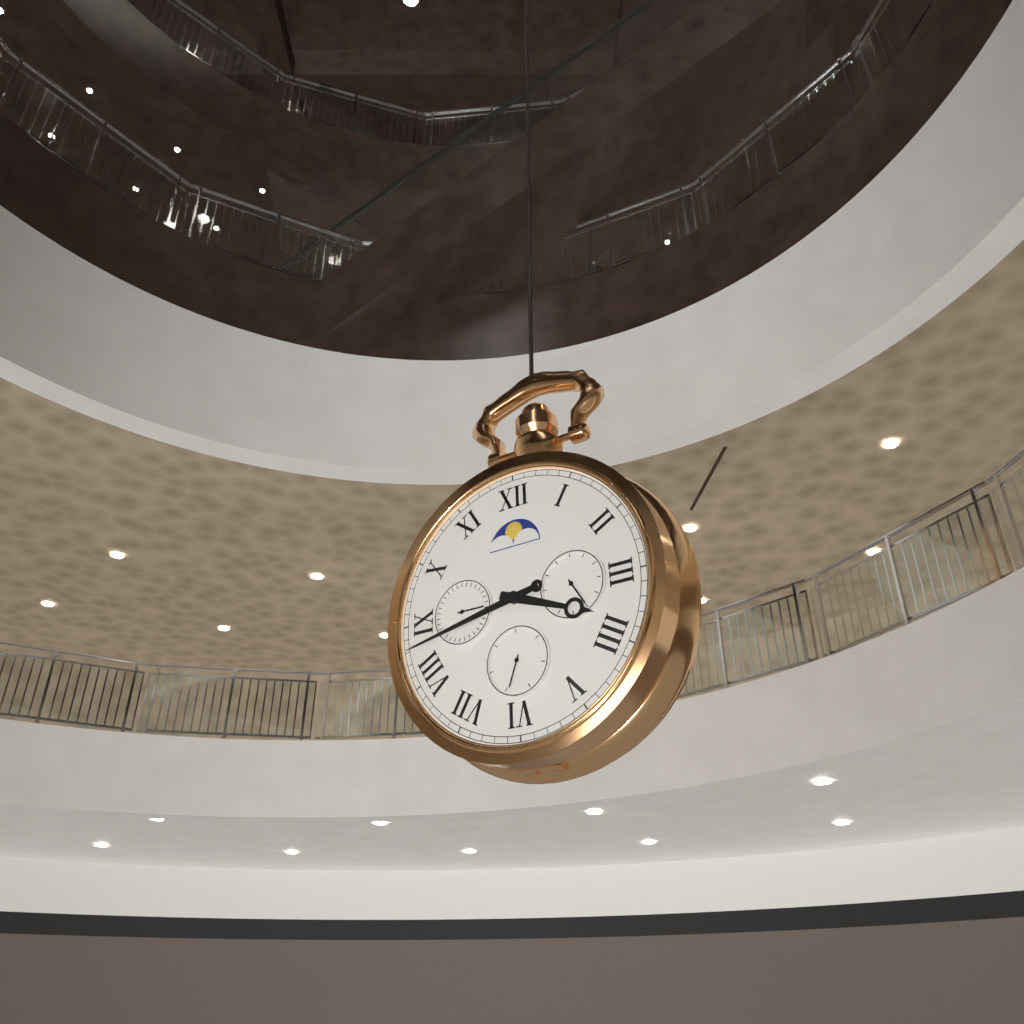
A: 3 h 43 min
